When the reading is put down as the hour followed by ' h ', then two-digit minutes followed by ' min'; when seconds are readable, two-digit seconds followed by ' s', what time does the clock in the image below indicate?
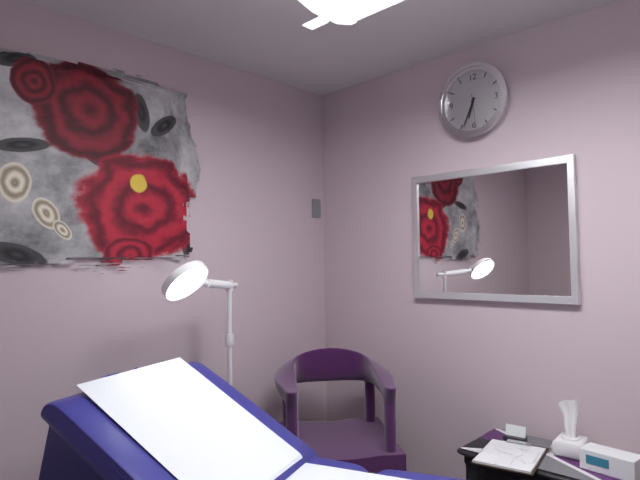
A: 6 h 34 min
